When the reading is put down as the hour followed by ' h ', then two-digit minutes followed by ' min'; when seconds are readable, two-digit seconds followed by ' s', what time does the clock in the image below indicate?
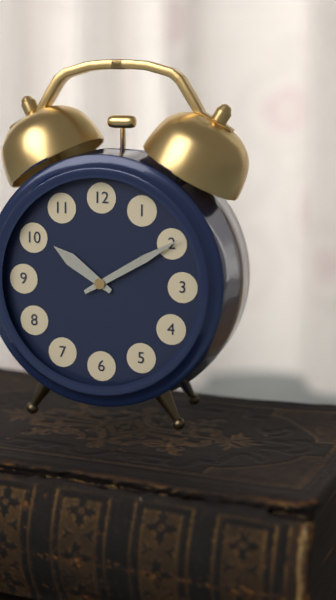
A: 10 h 10 min
